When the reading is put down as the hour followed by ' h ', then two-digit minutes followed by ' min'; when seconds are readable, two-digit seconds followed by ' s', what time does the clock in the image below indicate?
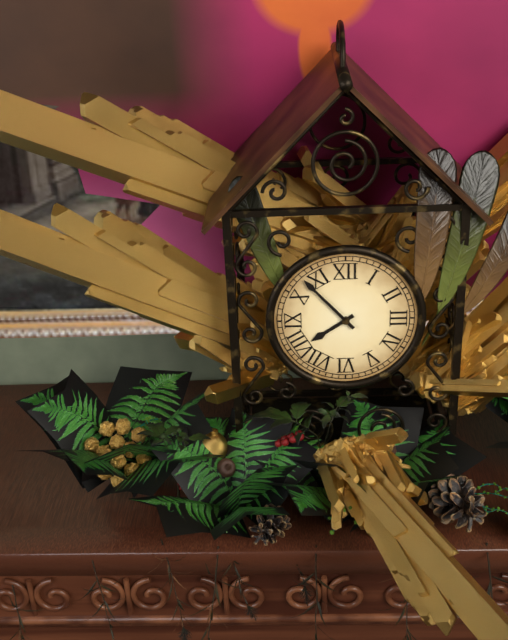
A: 7 h 53 min
